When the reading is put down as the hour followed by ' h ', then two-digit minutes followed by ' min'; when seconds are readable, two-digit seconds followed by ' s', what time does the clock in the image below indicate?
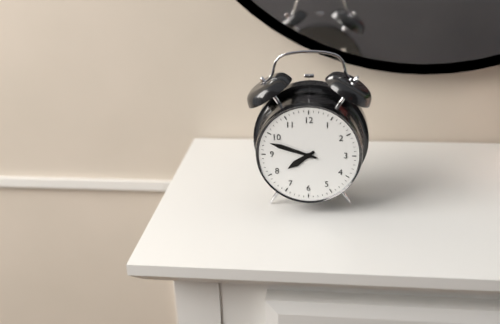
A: 7 h 48 min
